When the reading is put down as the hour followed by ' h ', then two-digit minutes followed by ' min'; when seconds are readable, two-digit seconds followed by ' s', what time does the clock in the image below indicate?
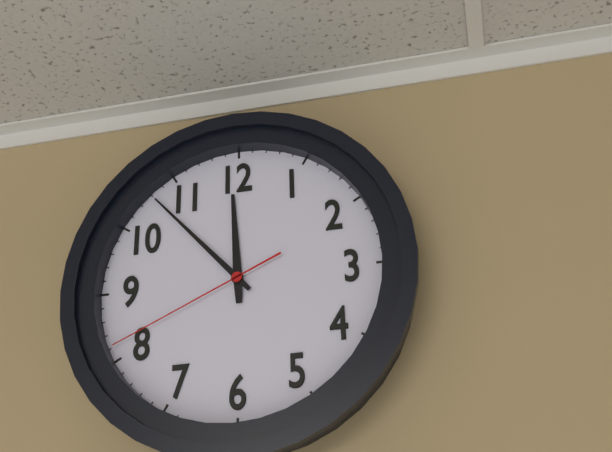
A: 11 h 53 min 41 s
